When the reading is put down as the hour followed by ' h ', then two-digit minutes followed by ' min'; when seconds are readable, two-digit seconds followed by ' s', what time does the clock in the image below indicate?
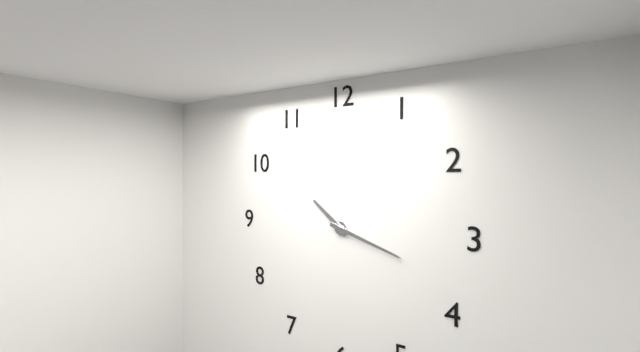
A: 10 h 18 min
